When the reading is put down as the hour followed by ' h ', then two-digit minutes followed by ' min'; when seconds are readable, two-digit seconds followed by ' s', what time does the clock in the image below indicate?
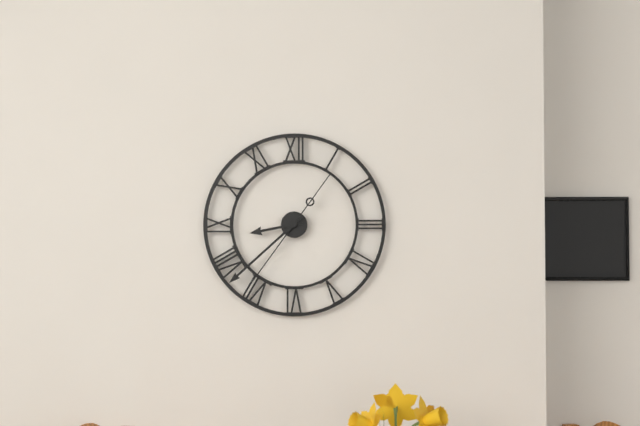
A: 8 h 38 min 36 s
